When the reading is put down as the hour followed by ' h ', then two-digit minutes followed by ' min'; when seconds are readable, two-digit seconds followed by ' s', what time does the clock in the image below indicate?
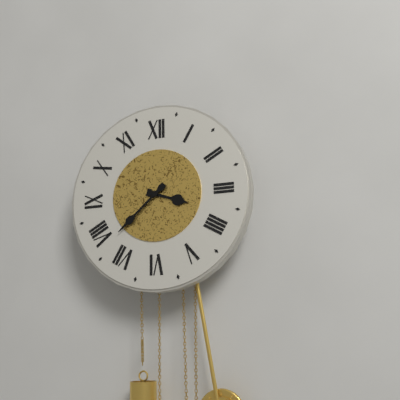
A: 3 h 38 min
